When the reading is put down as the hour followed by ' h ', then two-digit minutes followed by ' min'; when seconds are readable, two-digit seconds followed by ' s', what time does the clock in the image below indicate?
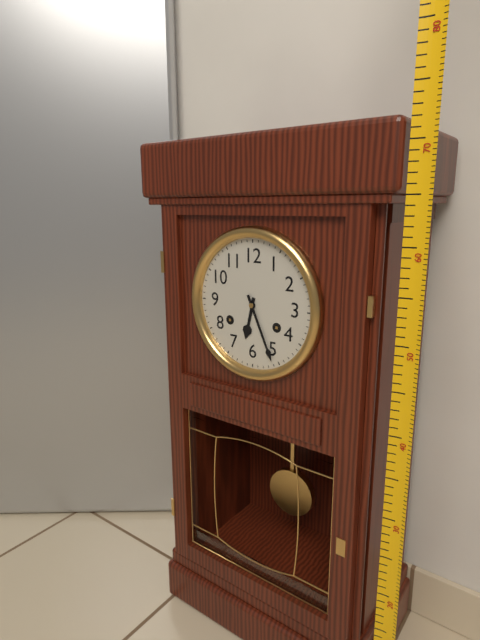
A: 6 h 26 min
